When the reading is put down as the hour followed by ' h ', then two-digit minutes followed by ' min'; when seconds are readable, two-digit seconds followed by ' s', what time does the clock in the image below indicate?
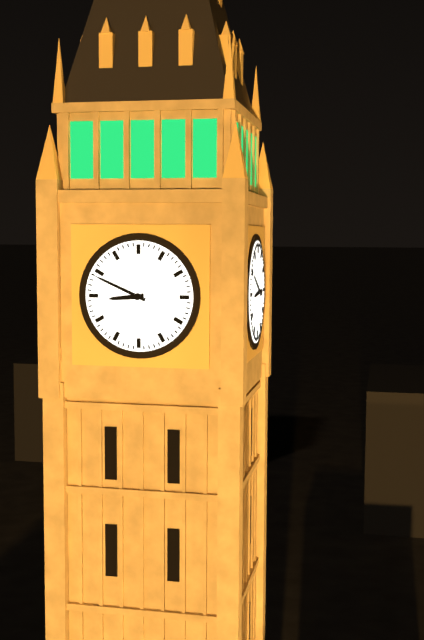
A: 8 h 49 min
